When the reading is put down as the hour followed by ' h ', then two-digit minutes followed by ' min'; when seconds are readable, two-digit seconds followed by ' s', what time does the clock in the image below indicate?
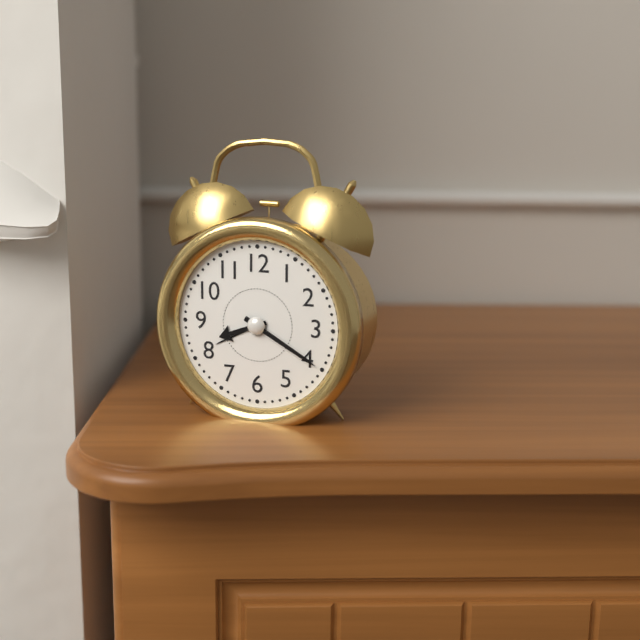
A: 8 h 20 min
